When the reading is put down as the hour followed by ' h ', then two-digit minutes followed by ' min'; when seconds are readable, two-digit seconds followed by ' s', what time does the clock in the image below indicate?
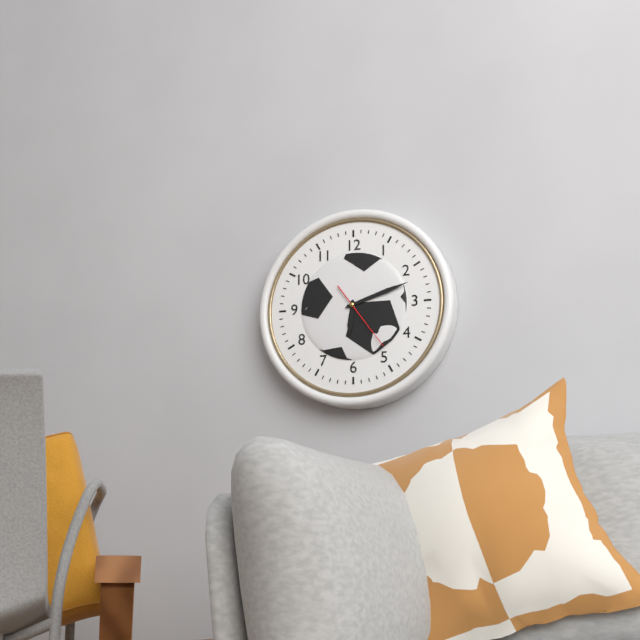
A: 6 h 12 min 24 s
